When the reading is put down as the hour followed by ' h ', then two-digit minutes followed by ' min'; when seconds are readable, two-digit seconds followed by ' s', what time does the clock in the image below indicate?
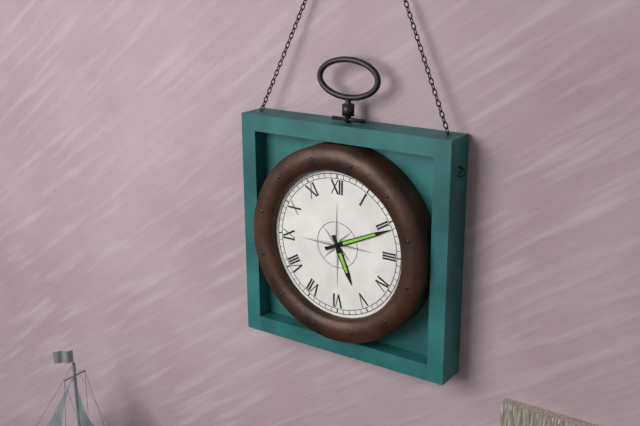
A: 5 h 11 min
